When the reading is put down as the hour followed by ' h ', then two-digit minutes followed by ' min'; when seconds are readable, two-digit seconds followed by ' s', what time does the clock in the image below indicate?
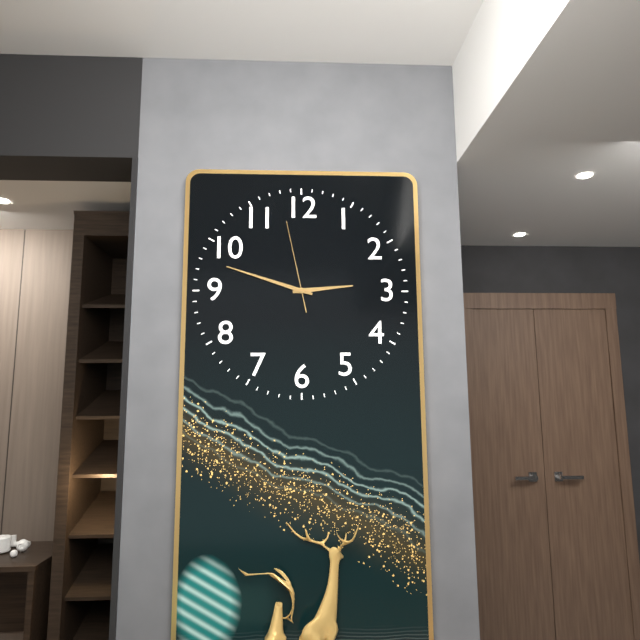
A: 2 h 48 min 58 s
